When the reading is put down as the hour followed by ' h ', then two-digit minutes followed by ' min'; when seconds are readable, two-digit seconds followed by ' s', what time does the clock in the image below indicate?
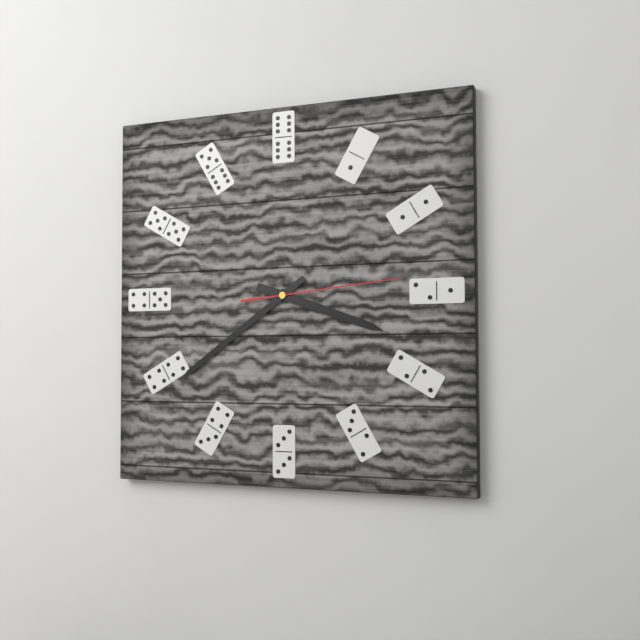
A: 3 h 39 min 14 s
